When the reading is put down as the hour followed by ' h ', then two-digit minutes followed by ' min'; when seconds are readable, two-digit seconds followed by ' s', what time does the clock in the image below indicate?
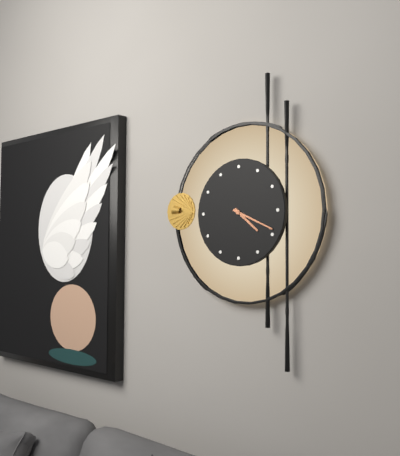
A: 4 h 19 min
